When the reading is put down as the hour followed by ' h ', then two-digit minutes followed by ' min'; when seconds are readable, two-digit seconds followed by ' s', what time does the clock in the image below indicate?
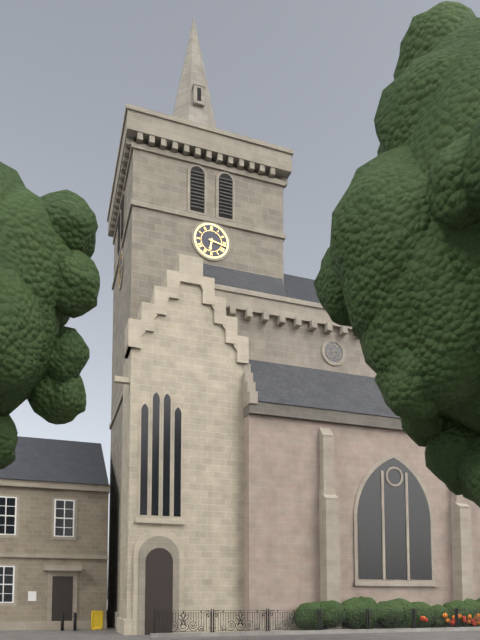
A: 6 h 17 min
